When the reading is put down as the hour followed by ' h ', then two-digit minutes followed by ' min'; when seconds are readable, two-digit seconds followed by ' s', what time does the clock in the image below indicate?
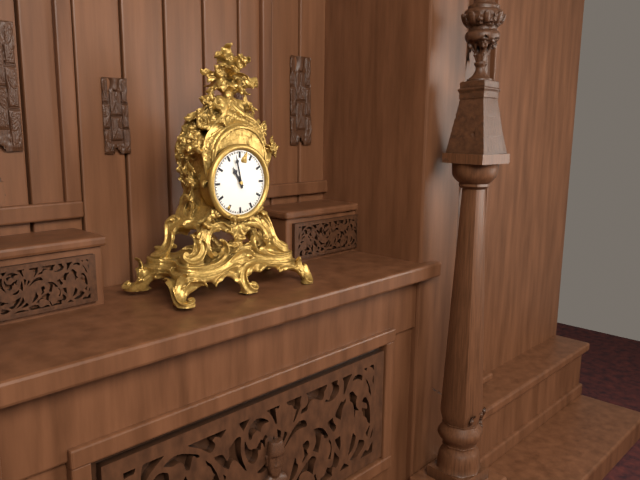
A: 10 h 58 min
